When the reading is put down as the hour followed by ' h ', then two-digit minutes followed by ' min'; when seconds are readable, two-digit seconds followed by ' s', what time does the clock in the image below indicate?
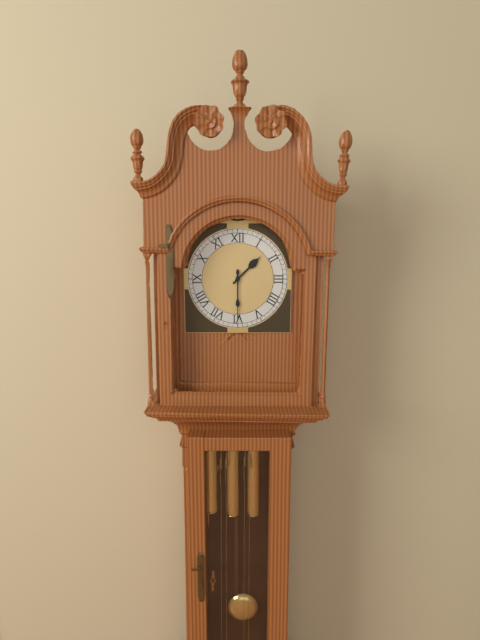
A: 1 h 30 min
